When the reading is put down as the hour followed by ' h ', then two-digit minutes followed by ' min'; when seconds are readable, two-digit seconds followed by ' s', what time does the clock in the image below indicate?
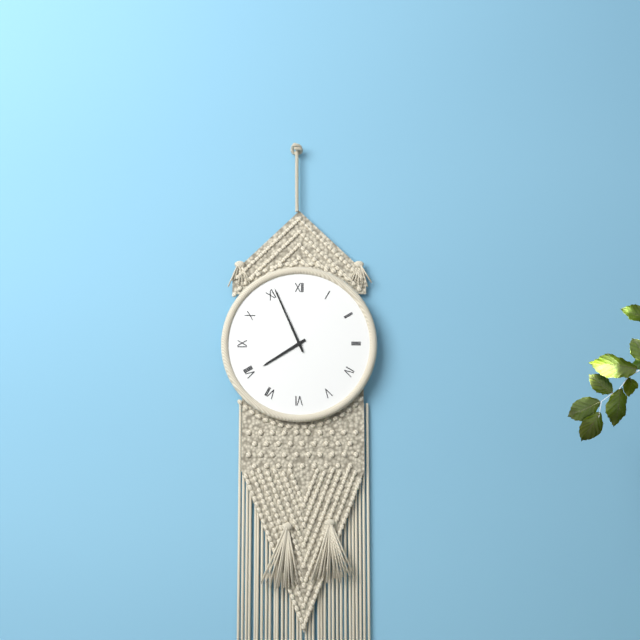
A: 7 h 56 min
